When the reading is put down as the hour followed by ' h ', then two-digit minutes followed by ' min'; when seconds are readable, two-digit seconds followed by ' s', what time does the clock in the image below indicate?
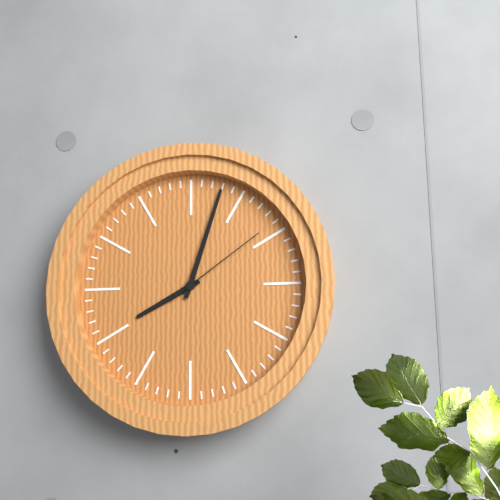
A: 8 h 03 min 09 s
